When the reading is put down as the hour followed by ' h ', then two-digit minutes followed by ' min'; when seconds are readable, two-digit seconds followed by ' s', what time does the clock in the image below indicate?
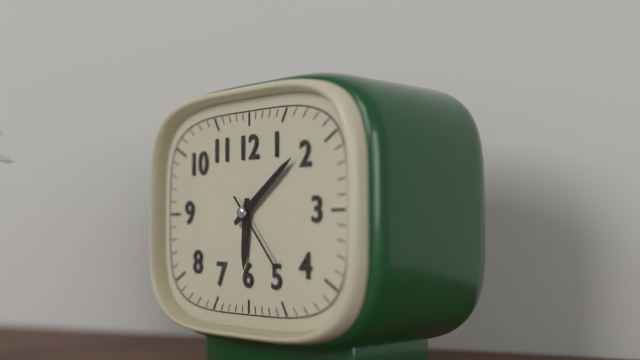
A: 6 h 09 min 23 s
